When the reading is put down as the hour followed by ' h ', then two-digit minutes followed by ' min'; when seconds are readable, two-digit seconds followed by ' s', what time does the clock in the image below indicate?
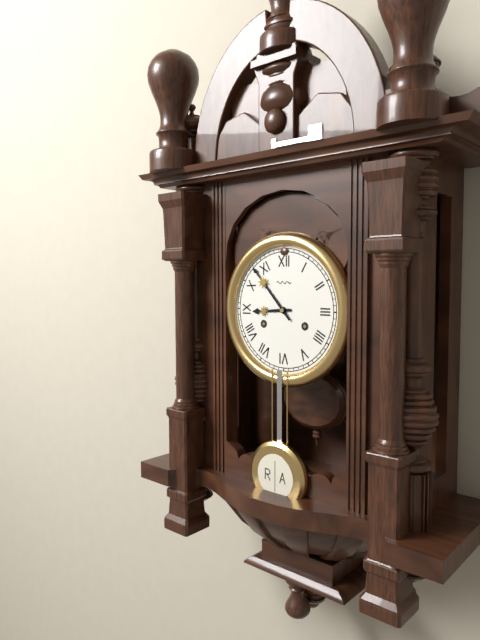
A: 8 h 53 min
